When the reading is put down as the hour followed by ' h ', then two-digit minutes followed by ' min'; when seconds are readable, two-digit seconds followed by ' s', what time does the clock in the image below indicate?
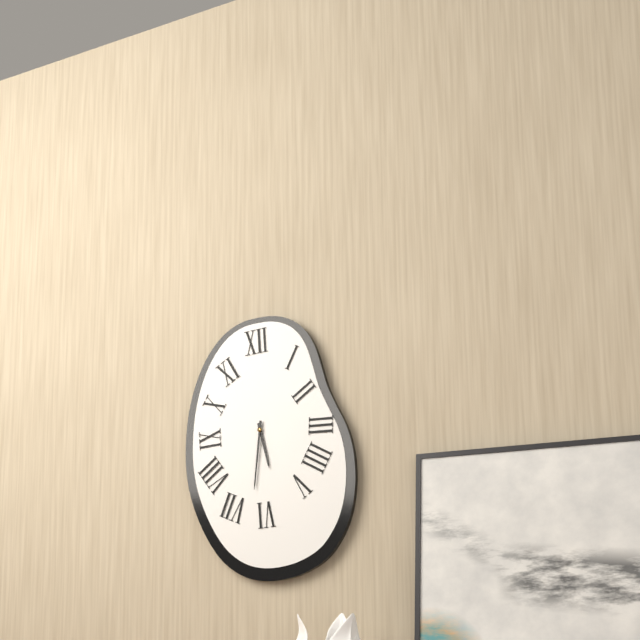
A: 5 h 31 min
